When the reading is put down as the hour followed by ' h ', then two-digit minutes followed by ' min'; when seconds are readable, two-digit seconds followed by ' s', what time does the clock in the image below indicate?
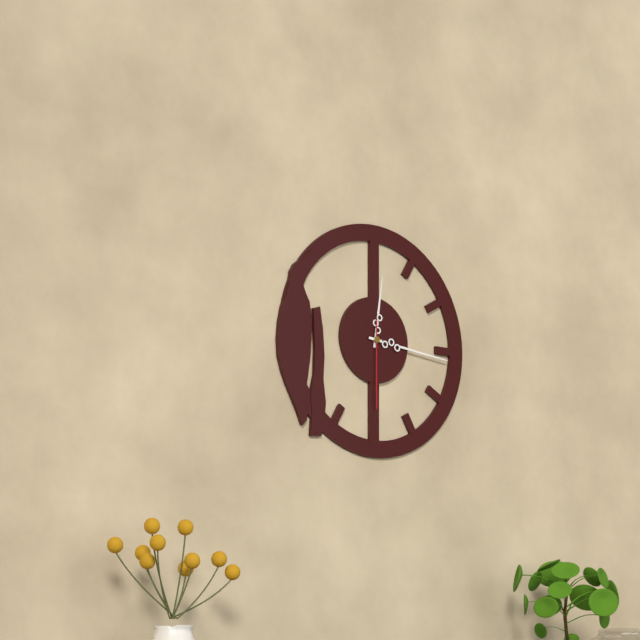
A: 12 h 16 min 30 s
